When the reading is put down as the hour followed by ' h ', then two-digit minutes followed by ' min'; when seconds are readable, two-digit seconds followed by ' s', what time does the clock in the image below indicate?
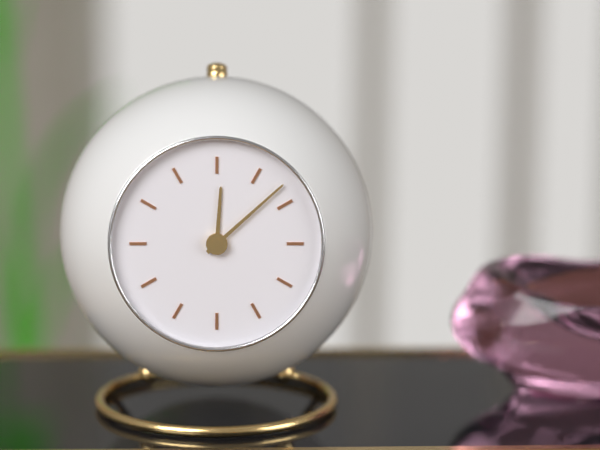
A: 12 h 08 min
